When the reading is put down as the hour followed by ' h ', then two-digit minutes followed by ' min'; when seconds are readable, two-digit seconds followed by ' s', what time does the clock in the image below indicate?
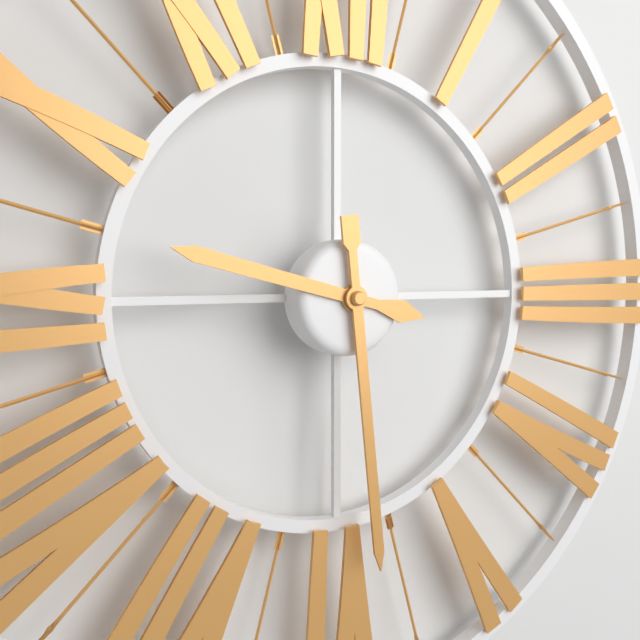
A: 9 h 29 min
